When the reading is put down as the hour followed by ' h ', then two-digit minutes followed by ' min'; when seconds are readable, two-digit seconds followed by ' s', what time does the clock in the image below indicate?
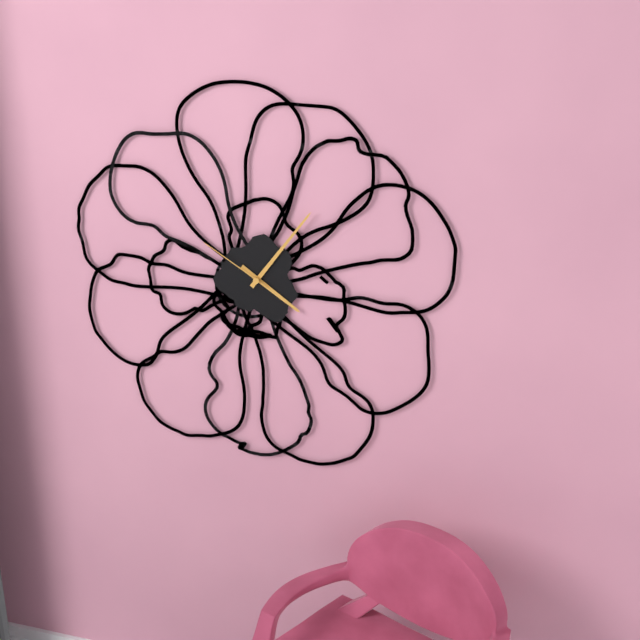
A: 4 h 06 min 50 s
